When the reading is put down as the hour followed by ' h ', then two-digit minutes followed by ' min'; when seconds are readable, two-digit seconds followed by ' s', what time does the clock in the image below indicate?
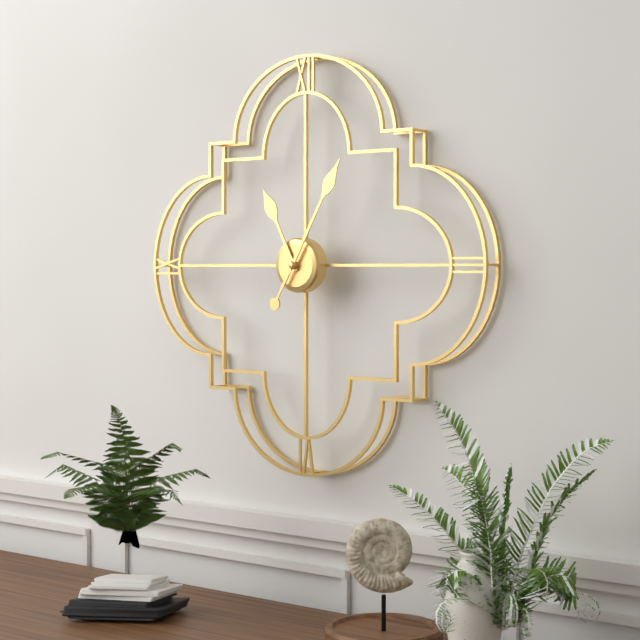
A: 11 h 05 min
